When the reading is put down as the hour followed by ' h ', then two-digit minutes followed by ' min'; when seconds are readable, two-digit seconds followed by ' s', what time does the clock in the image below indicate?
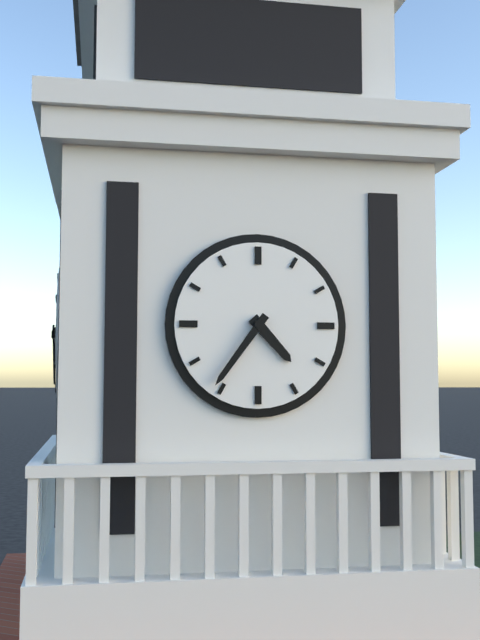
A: 4 h 36 min
